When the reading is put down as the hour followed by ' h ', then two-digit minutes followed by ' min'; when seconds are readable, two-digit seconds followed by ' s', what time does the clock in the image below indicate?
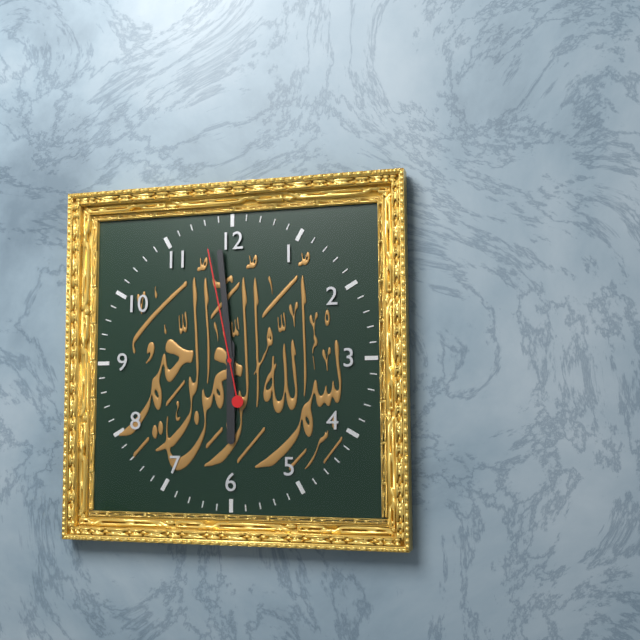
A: 5 h 59 min 58 s
